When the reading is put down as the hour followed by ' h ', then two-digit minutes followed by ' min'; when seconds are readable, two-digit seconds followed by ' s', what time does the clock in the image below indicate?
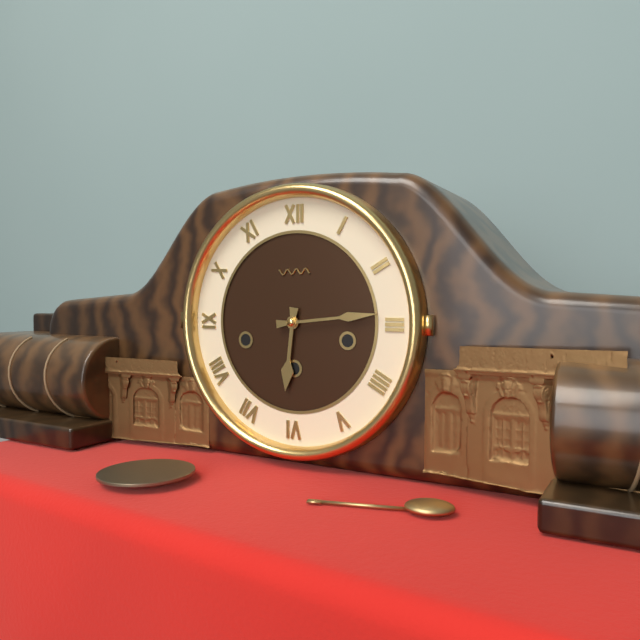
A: 6 h 14 min
